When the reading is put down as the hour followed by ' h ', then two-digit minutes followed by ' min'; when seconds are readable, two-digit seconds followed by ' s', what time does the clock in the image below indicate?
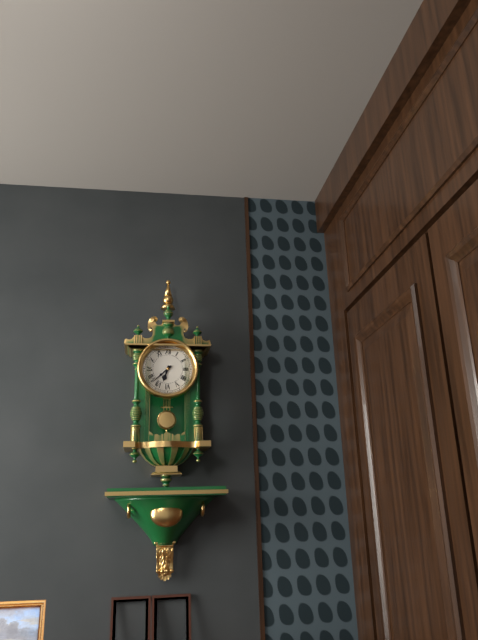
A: 6 h 38 min
